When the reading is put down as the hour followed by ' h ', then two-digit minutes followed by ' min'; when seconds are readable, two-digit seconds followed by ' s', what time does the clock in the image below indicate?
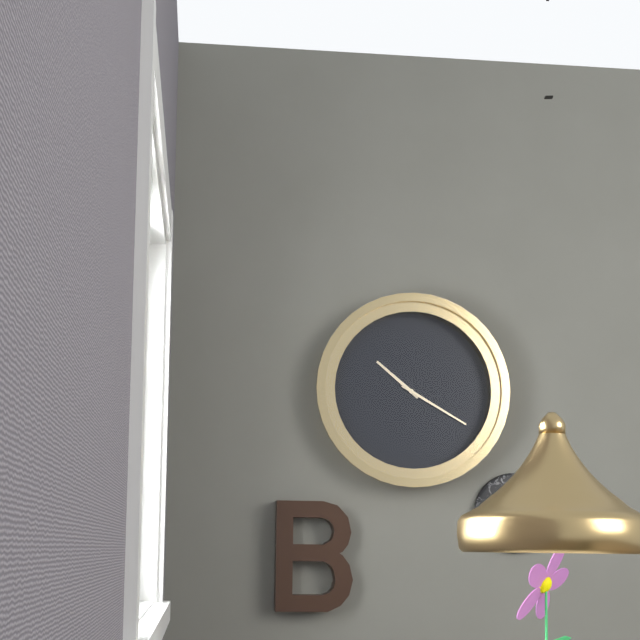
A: 10 h 20 min
